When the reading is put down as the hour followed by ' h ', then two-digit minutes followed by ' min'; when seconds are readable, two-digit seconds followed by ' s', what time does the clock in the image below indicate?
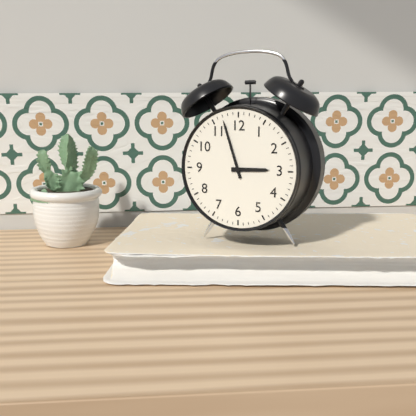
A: 2 h 57 min
